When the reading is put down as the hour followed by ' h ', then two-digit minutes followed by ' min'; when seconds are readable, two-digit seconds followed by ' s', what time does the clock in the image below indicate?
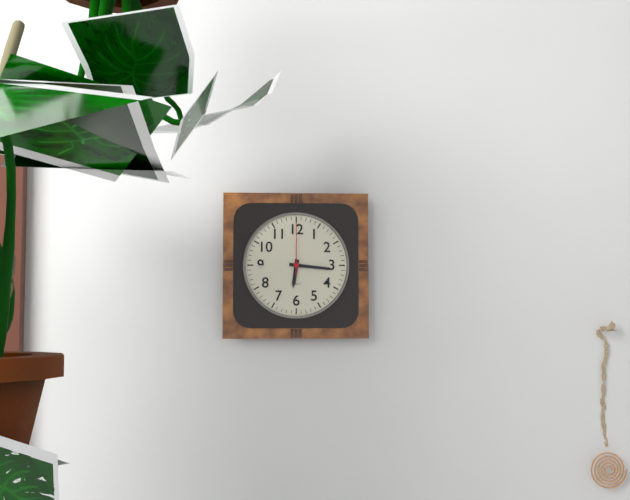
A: 6 h 16 min 00 s
